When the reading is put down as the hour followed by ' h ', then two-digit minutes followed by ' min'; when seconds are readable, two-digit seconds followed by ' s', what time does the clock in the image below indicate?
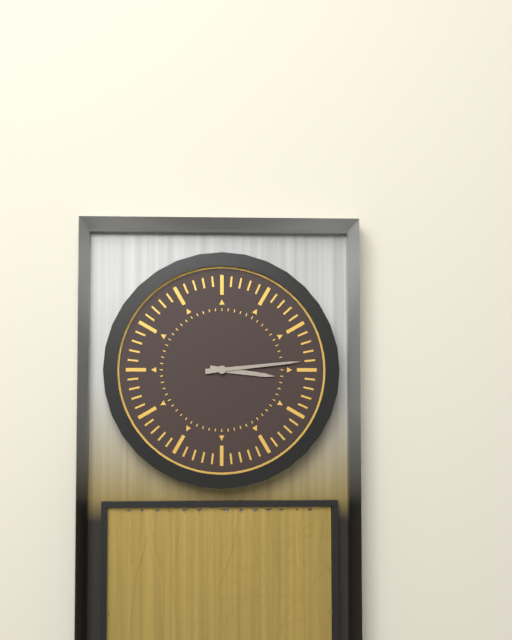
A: 3 h 14 min
